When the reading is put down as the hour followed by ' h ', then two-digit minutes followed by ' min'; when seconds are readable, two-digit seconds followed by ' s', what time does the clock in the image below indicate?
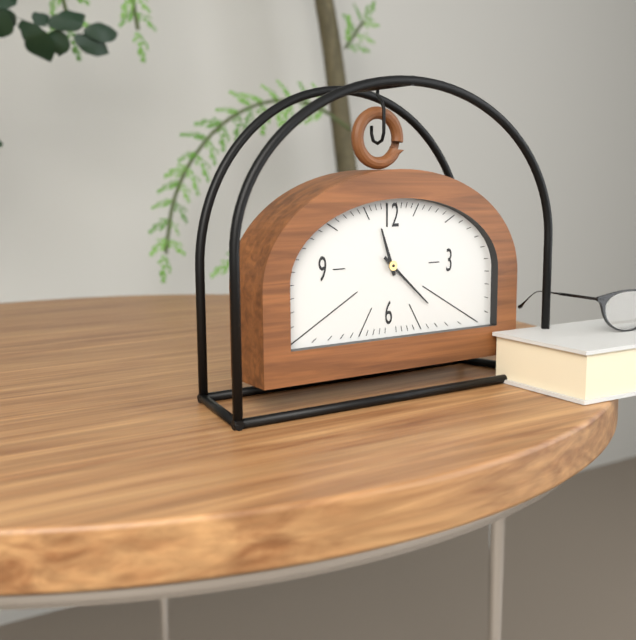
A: 11 h 22 min
